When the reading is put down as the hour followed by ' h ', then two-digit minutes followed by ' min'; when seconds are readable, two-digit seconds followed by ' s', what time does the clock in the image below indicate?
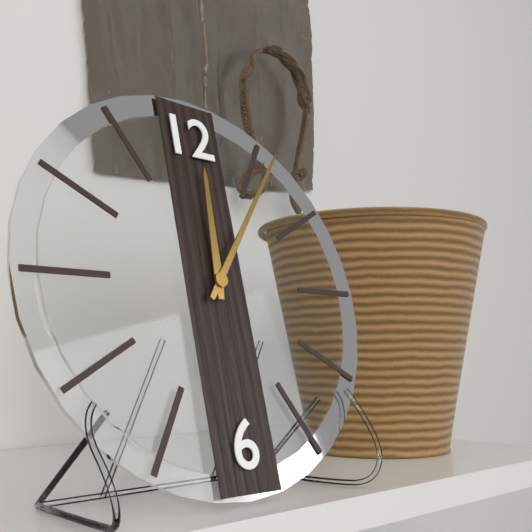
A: 12 h 06 min
